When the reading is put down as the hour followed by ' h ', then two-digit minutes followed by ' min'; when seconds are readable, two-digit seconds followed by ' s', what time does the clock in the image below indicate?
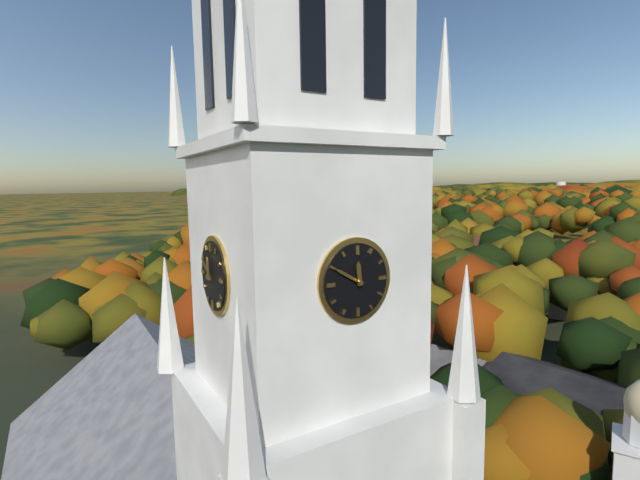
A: 11 h 50 min
